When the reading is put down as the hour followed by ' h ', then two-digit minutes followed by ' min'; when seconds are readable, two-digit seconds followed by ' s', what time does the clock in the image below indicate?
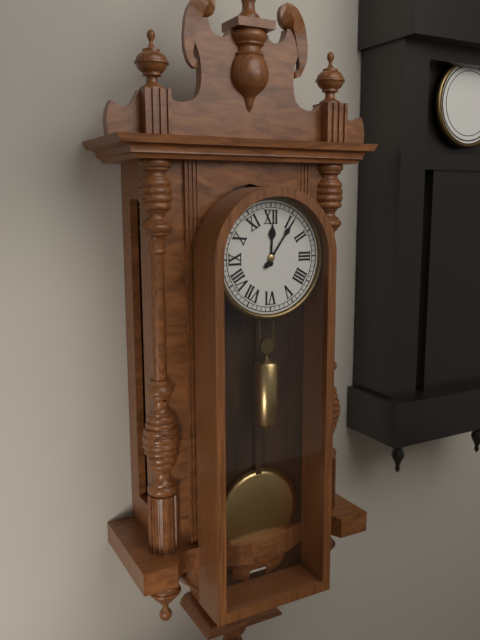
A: 12 h 06 min
